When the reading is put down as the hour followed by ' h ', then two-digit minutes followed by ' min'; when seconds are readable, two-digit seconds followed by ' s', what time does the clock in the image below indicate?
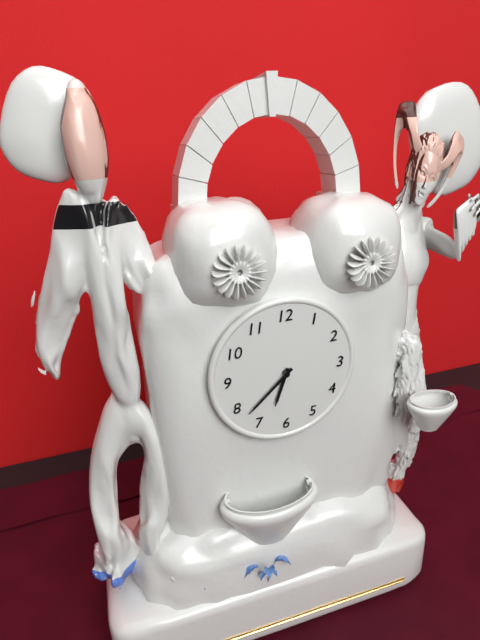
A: 6 h 38 min
